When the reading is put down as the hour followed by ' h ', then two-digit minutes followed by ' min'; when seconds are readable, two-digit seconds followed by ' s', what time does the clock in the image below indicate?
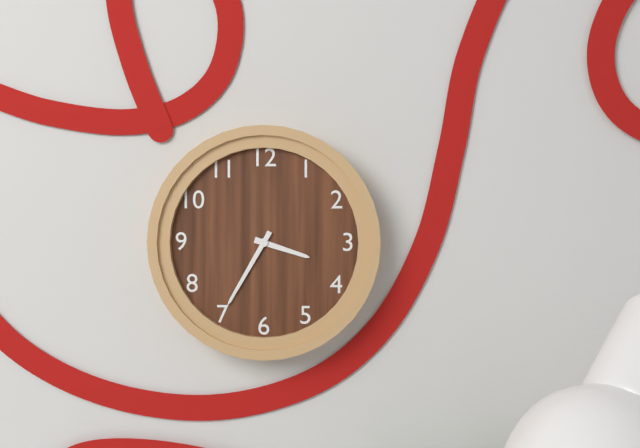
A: 3 h 35 min
